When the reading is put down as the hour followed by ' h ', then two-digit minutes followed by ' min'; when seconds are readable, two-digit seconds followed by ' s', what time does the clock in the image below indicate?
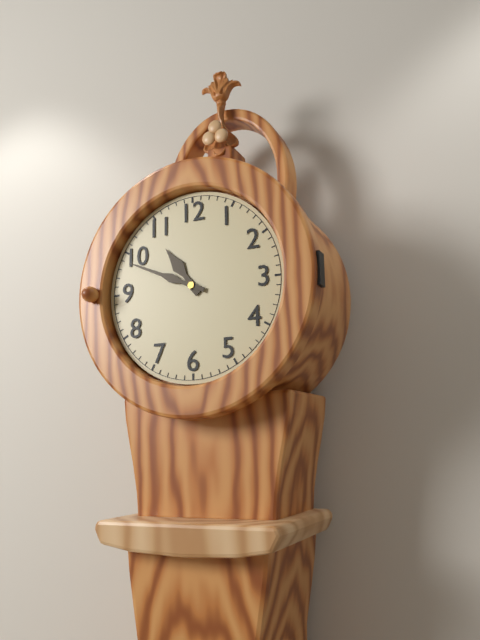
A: 10 h 49 min
